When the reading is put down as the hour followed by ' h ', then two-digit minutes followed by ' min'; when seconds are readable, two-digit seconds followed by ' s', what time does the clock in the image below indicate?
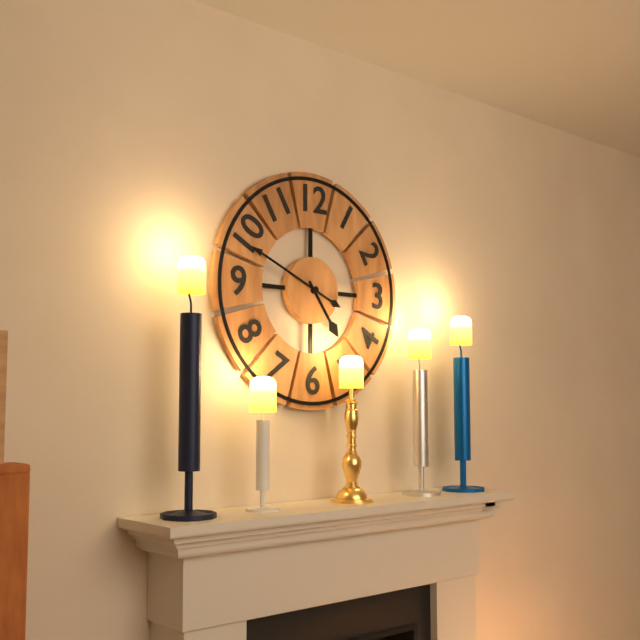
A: 4 h 49 min
